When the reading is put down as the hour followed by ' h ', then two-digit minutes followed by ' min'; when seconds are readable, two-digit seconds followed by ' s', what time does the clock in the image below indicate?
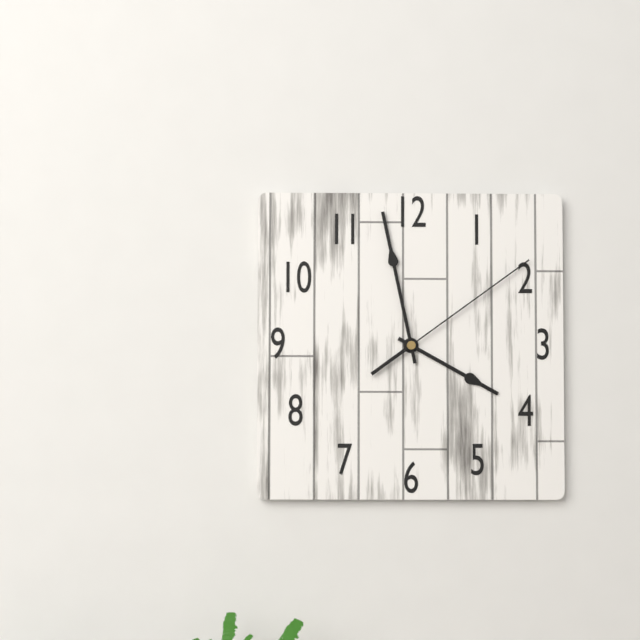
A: 3 h 58 min 09 s
